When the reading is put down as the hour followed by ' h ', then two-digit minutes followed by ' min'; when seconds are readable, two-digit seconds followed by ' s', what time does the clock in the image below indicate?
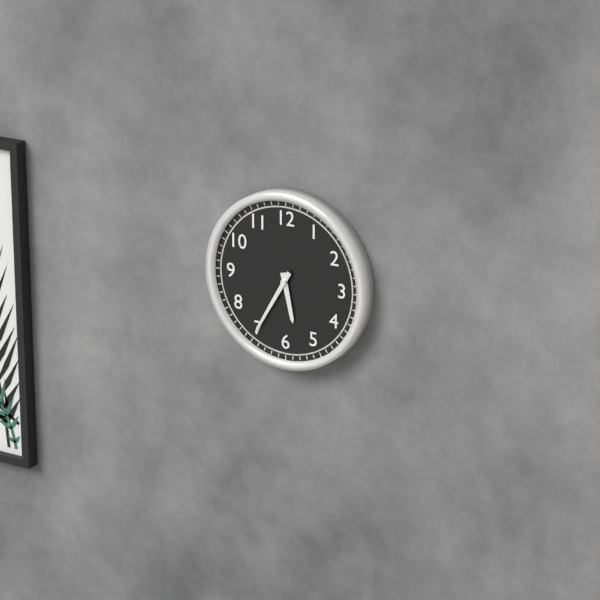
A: 5 h 35 min
